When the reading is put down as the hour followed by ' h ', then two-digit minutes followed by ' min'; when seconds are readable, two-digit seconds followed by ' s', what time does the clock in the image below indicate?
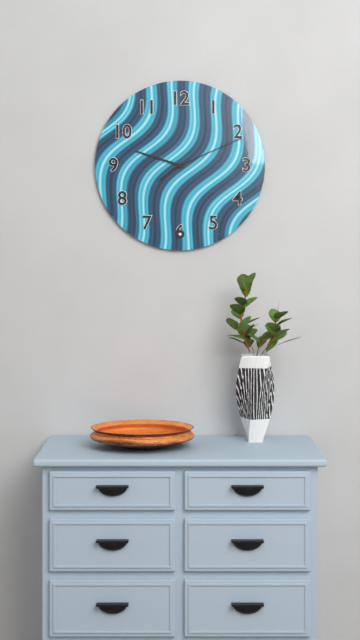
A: 7 h 48 min 11 s
